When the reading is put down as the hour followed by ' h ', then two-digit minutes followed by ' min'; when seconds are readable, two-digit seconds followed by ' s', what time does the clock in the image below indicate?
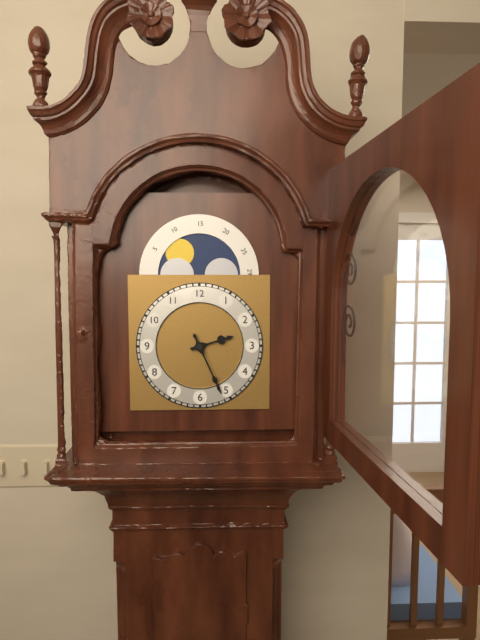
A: 2 h 26 min
